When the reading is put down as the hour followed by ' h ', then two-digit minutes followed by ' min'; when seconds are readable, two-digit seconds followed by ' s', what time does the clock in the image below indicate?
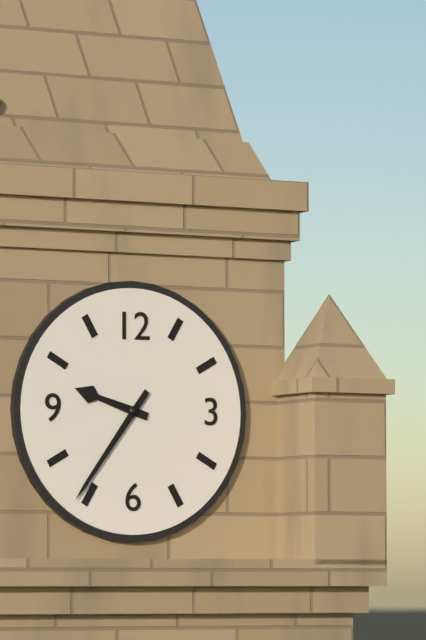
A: 9 h 36 min
